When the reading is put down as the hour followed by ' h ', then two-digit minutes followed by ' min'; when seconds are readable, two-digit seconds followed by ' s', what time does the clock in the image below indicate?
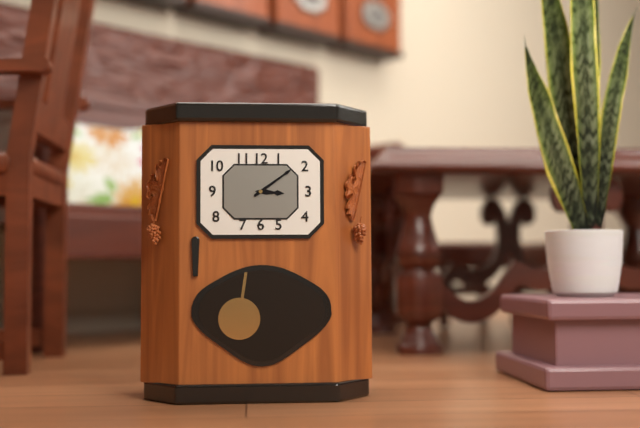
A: 3 h 09 min
